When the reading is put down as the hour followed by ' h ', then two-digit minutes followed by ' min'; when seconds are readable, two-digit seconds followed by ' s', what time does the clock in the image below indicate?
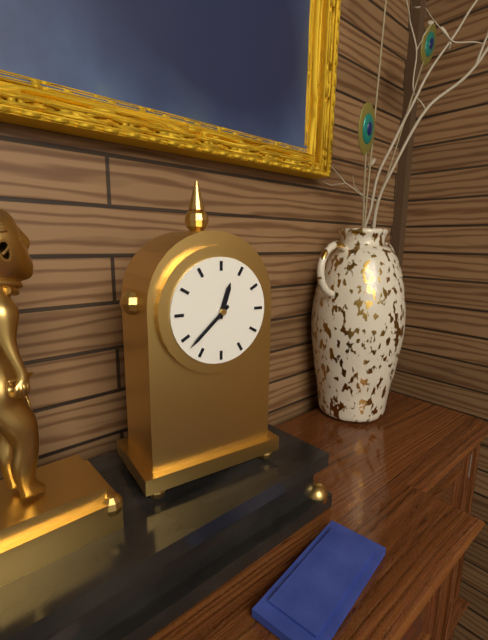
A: 12 h 38 min
